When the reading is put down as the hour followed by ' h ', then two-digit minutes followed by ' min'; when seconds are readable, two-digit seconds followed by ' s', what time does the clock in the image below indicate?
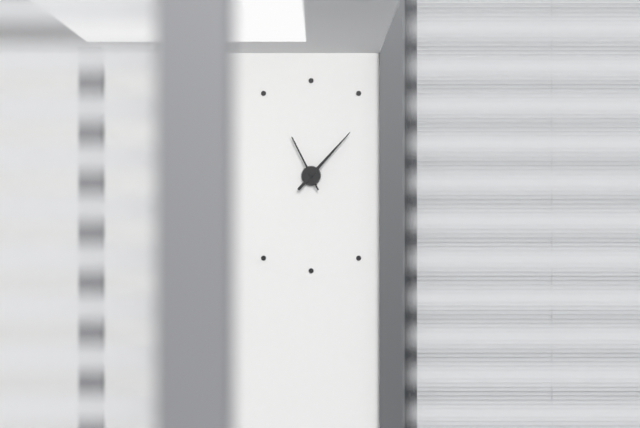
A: 11 h 07 min
